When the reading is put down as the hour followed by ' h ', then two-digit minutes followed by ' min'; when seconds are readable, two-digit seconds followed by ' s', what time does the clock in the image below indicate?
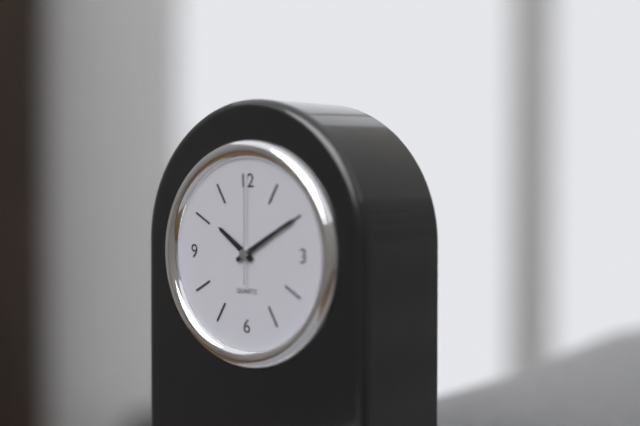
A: 10 h 10 min 00 s
